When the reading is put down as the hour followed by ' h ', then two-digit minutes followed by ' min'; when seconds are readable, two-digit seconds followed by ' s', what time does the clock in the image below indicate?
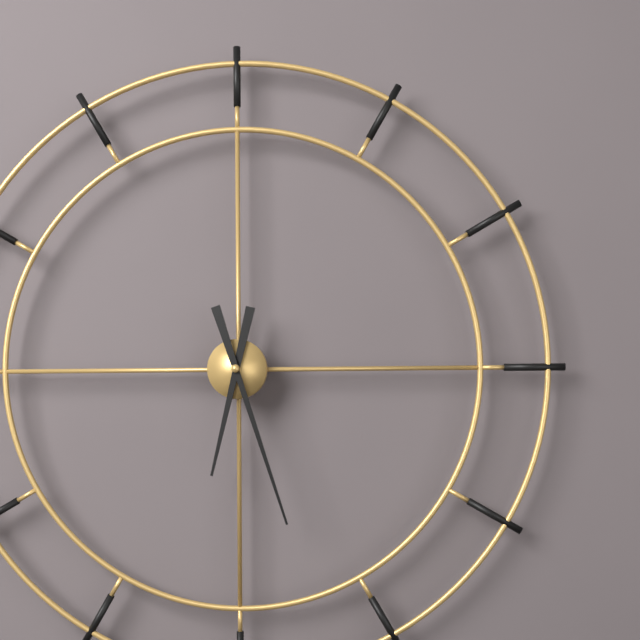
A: 6 h 27 min
